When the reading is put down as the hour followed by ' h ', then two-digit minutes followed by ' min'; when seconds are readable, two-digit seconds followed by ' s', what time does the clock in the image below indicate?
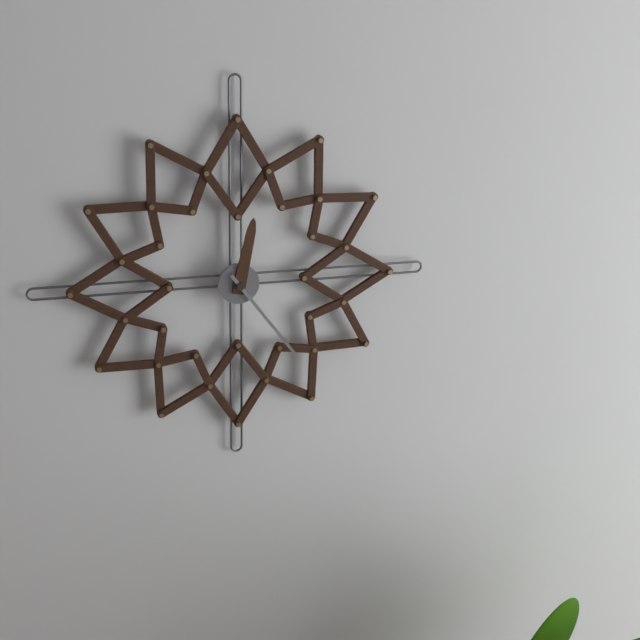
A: 12 h 24 min
